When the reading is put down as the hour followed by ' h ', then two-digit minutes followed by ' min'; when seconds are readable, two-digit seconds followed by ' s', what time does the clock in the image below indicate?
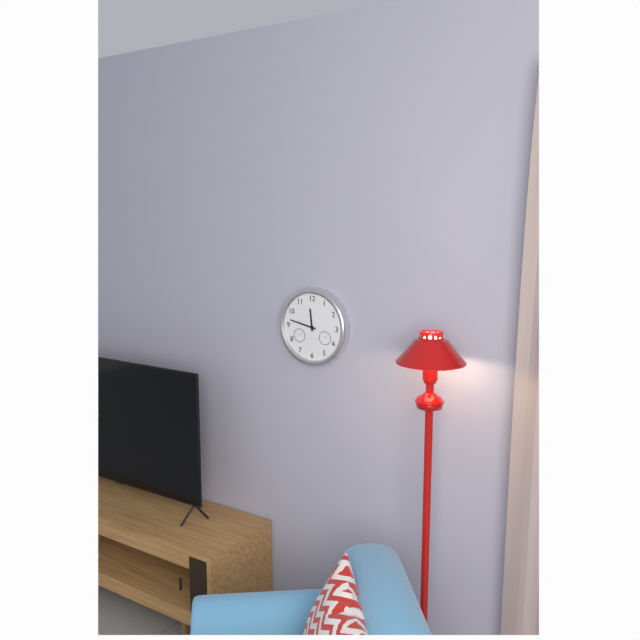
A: 11 h 47 min
